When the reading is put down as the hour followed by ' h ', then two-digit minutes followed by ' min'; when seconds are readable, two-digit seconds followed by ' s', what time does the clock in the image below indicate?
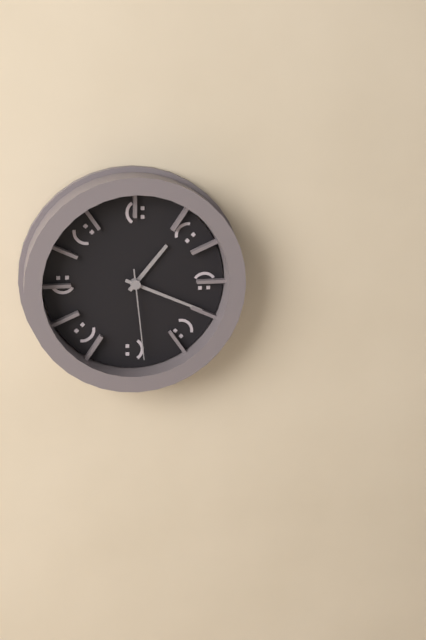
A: 1 h 19 min 29 s
